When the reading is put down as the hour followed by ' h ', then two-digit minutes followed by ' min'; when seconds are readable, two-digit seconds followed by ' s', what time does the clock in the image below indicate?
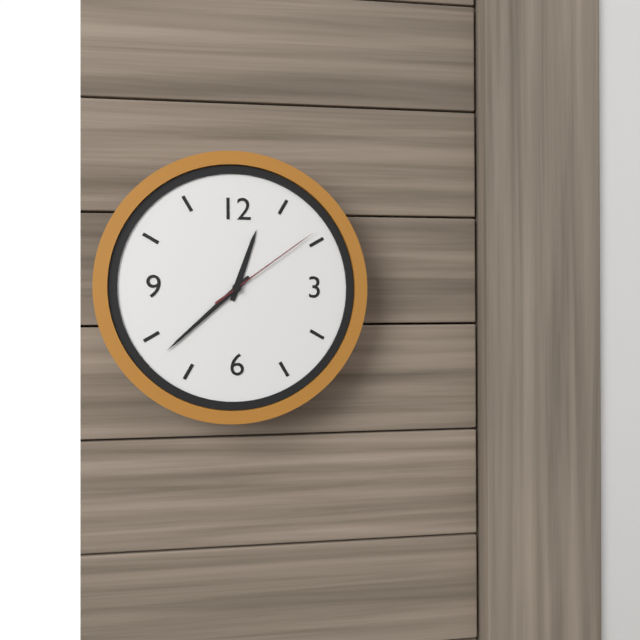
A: 12 h 38 min 09 s
